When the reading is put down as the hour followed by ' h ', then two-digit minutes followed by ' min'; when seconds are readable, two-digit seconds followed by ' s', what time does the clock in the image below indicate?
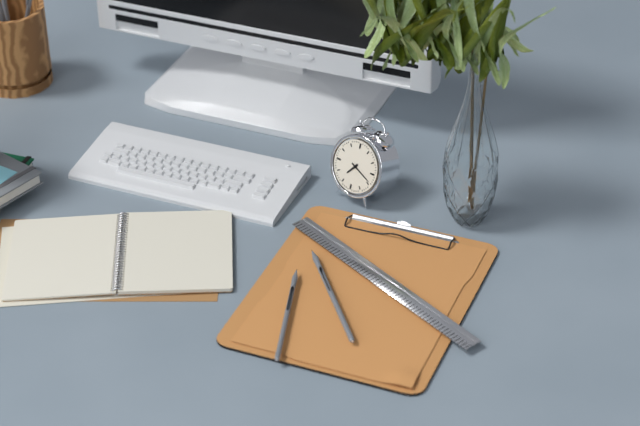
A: 7 h 19 min
